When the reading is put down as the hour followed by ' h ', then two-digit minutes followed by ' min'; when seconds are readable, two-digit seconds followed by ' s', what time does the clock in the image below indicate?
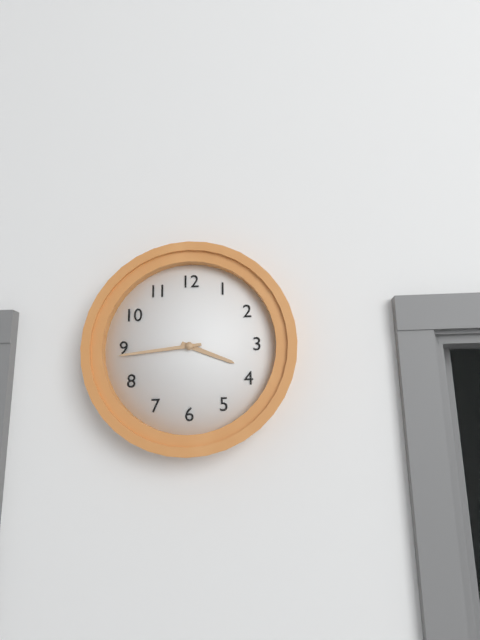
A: 3 h 44 min
